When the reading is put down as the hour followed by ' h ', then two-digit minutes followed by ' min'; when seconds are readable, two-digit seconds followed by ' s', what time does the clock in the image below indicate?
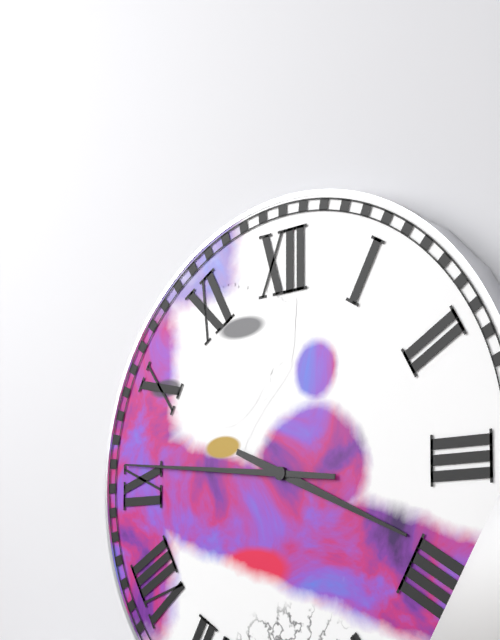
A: 3 h 46 min
